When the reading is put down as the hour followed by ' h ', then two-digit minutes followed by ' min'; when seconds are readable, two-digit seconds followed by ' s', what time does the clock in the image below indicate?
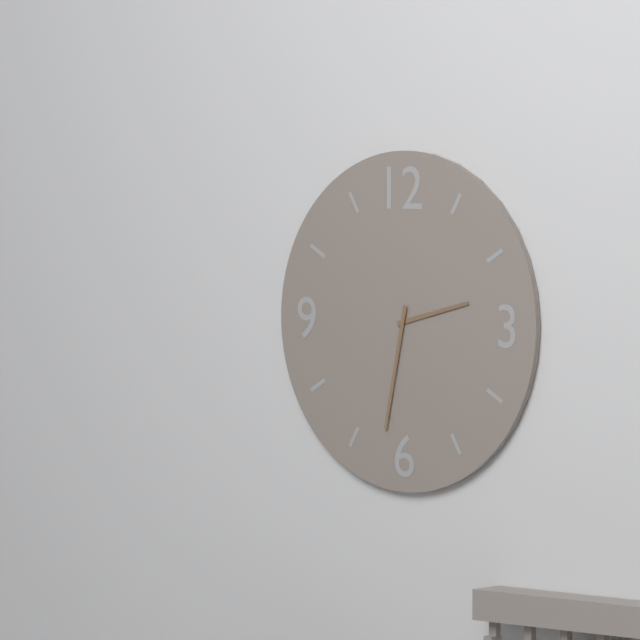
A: 2 h 32 min
